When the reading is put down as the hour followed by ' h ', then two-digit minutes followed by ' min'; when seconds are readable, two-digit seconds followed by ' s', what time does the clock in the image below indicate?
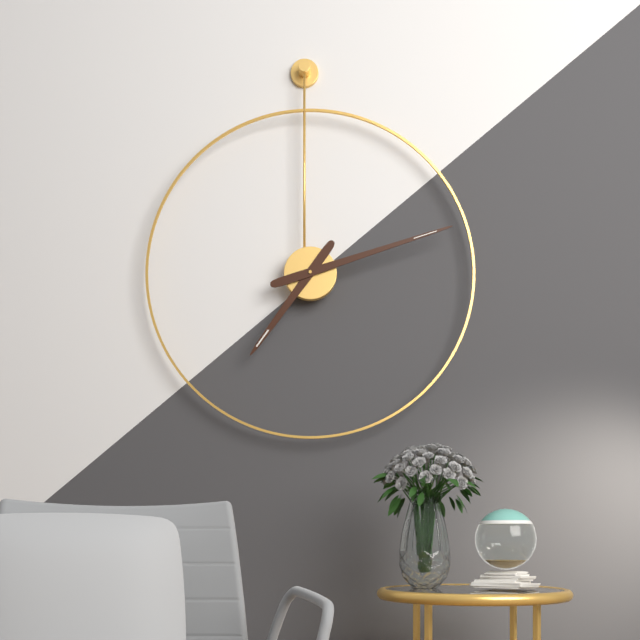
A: 7 h 12 min
